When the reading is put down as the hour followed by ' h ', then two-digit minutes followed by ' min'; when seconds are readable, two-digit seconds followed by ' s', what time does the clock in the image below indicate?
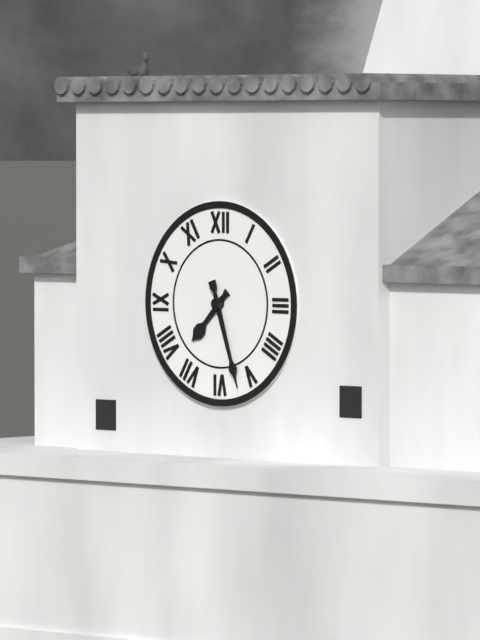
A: 7 h 27 min
